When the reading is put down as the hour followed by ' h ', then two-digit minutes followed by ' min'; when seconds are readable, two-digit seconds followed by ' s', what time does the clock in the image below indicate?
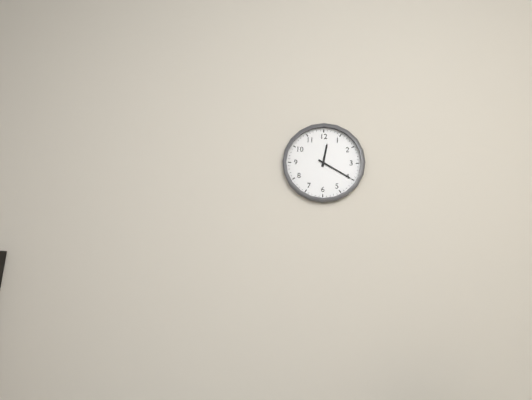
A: 12 h 20 min
